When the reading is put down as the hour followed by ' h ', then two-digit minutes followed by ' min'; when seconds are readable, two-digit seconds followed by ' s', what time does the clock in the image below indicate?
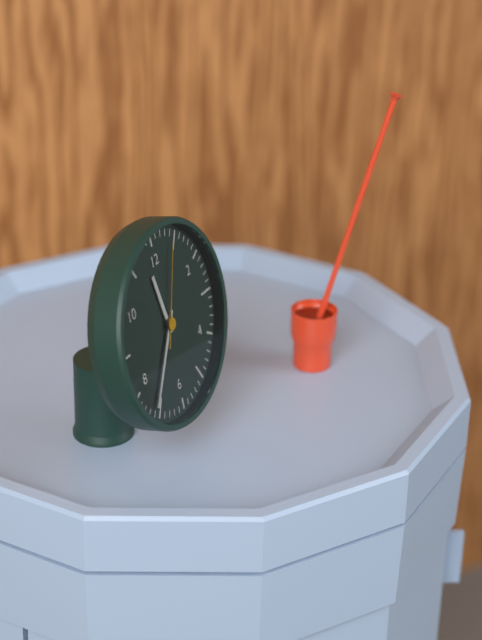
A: 11 h 36 min 04 s
